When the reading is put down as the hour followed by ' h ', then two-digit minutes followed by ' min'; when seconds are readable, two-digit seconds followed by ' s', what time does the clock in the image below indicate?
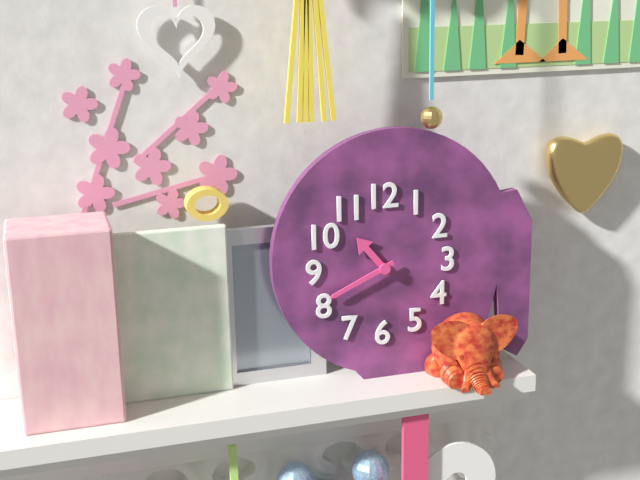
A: 10 h 41 min
